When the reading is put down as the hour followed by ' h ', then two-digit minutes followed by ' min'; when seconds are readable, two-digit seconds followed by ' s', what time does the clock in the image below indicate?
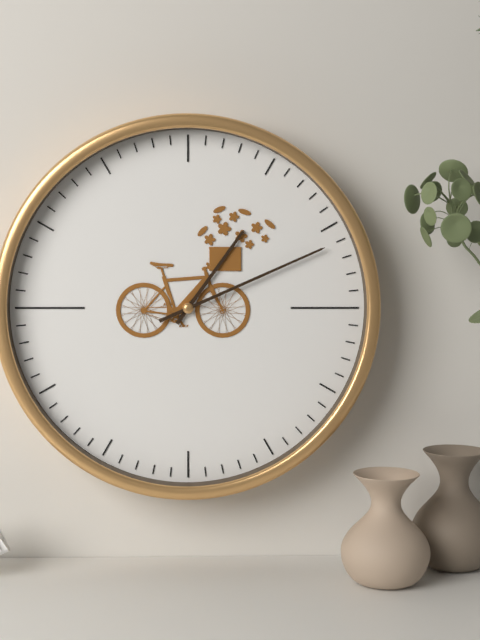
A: 1 h 11 min
